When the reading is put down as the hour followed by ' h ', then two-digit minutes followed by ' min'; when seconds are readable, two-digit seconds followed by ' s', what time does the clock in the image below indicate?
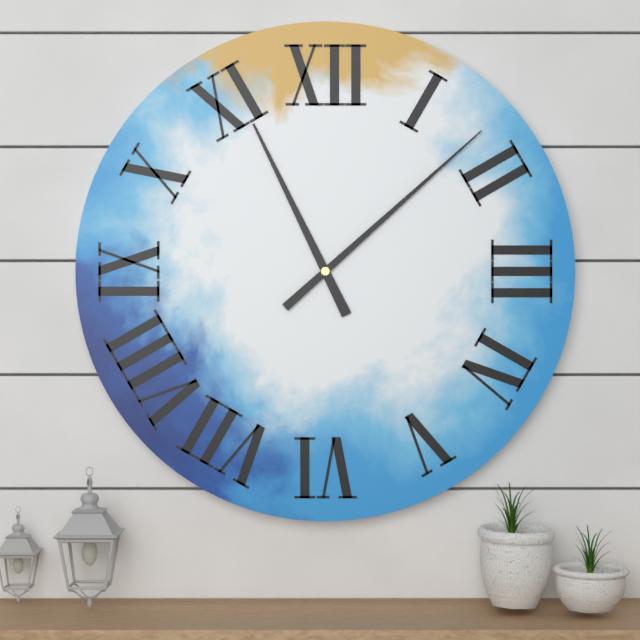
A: 11 h 08 min
